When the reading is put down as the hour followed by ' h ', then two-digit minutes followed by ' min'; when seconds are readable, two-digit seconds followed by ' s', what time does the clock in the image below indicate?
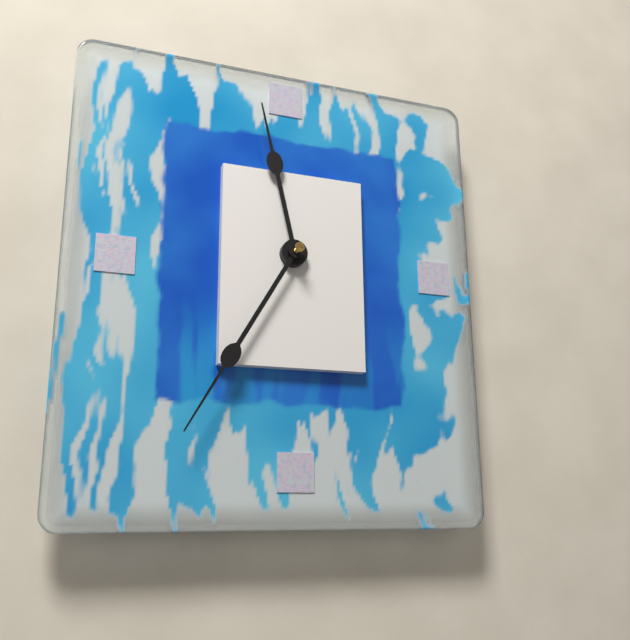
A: 11 h 35 min
